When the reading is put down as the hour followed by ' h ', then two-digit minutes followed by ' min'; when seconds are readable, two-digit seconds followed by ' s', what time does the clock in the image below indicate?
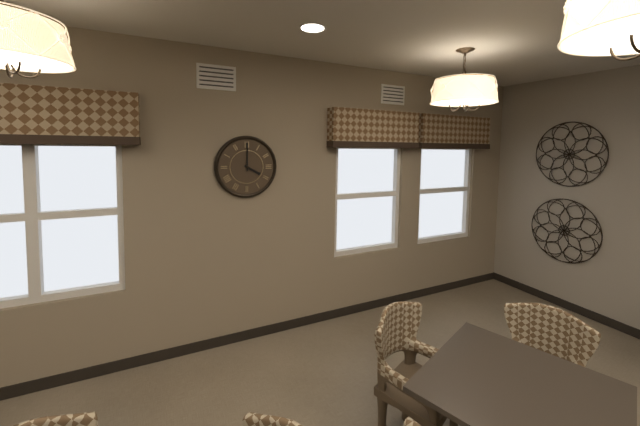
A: 4 h 00 min
